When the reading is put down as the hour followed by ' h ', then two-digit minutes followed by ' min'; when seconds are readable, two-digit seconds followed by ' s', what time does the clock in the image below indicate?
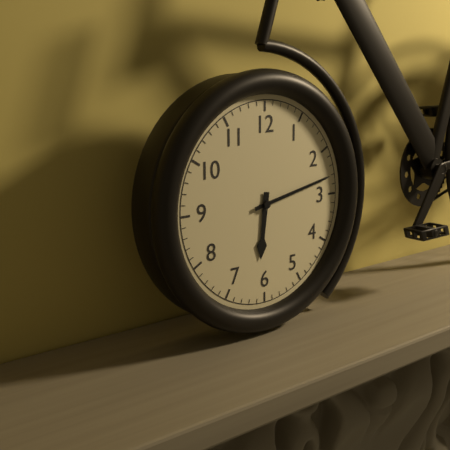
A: 6 h 13 min
